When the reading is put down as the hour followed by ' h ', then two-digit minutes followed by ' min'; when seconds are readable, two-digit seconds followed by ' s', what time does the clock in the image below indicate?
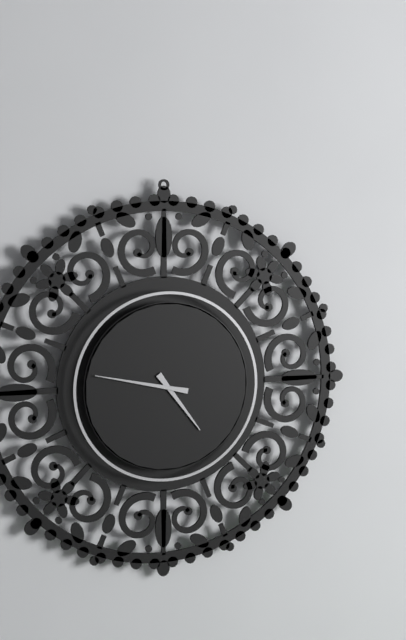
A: 4 h 47 min
